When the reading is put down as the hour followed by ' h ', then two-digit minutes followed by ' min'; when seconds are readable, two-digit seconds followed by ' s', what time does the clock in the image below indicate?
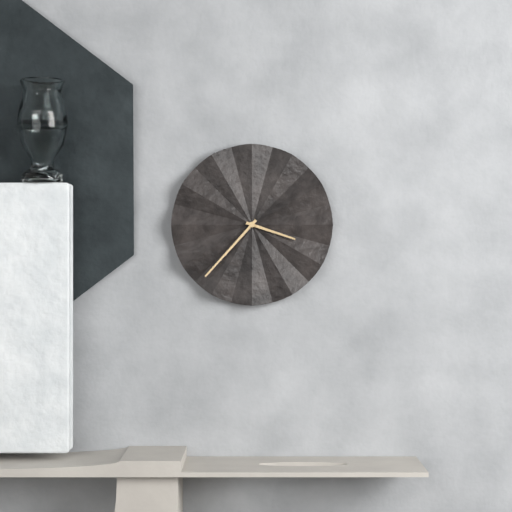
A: 3 h 37 min
